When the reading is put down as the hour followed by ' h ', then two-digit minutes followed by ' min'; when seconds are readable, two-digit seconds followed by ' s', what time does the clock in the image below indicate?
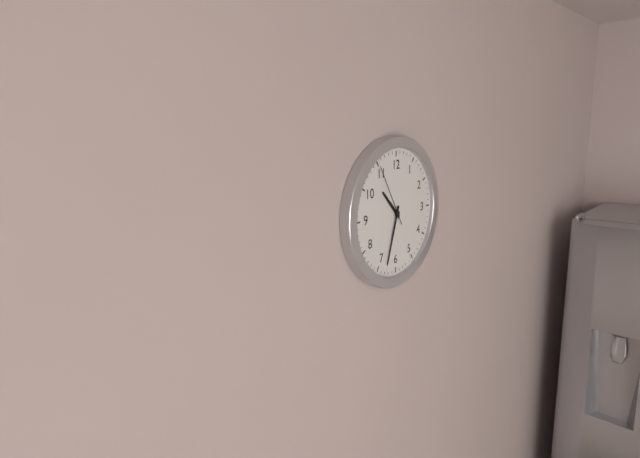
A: 10 h 33 min 55 s
